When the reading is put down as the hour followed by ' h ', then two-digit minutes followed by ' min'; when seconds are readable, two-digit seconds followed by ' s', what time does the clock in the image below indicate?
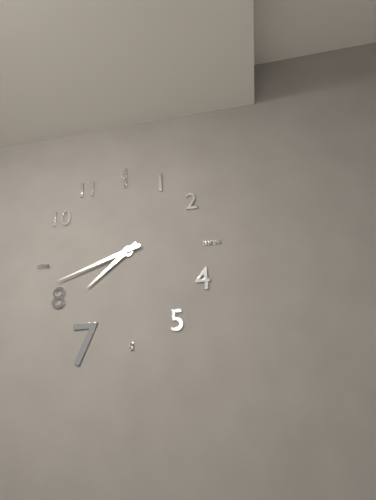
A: 7 h 42 min
